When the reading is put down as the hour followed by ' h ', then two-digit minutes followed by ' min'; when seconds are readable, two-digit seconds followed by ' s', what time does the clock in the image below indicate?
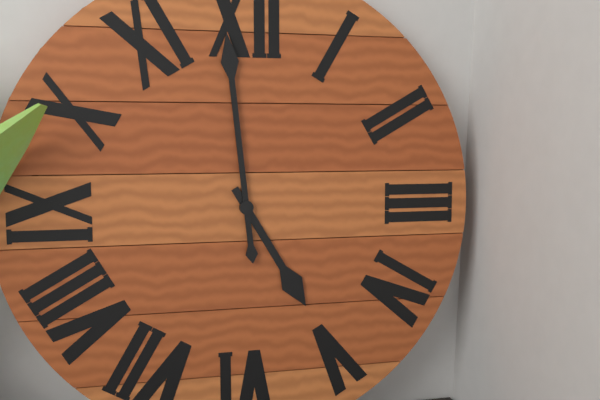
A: 4 h 59 min
